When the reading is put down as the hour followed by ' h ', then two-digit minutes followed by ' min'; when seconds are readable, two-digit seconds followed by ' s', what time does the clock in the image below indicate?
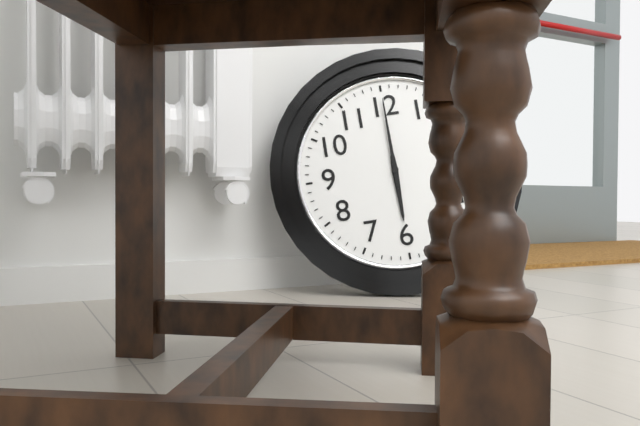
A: 6 h 00 min
